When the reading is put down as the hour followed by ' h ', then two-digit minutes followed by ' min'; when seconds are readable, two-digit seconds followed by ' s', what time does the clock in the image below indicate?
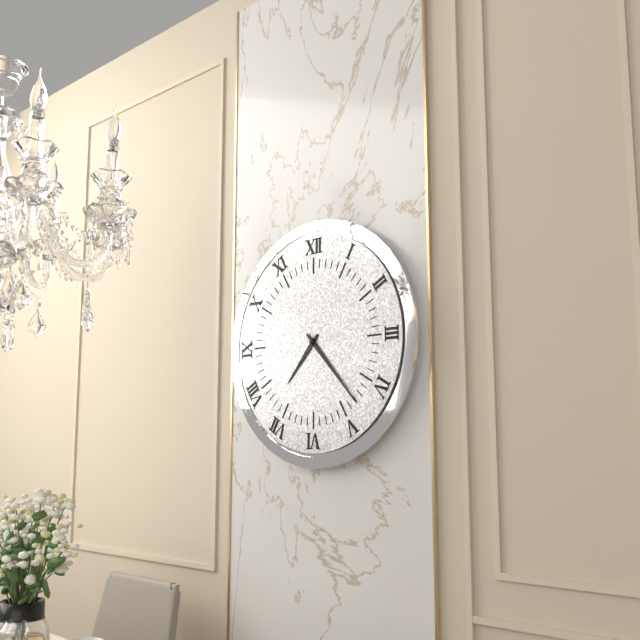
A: 7 h 23 min
